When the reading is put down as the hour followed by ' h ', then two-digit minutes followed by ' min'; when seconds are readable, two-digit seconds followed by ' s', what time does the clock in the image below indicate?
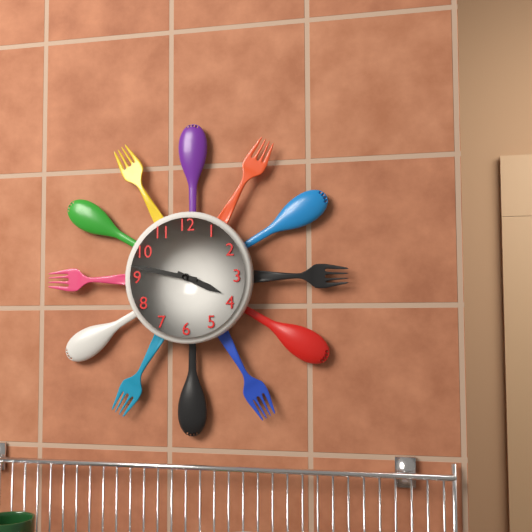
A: 3 h 47 min
